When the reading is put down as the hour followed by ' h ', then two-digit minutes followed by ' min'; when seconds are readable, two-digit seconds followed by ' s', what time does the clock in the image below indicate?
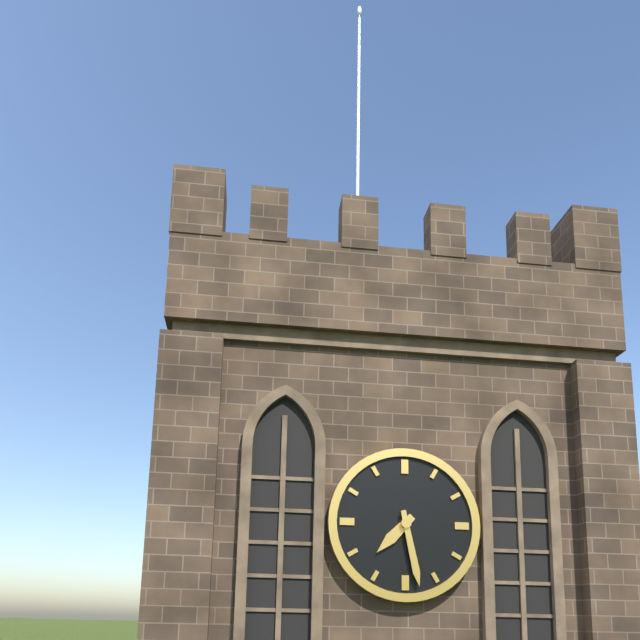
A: 7 h 28 min
